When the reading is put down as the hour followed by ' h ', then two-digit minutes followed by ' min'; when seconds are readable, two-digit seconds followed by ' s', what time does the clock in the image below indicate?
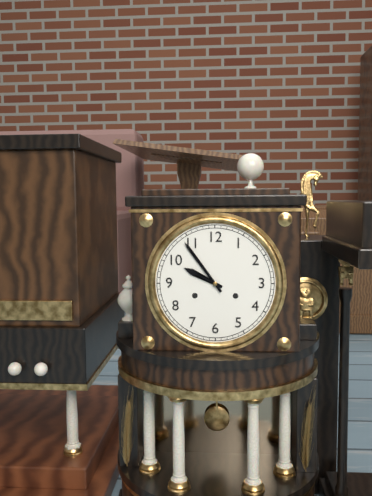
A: 9 h 54 min
